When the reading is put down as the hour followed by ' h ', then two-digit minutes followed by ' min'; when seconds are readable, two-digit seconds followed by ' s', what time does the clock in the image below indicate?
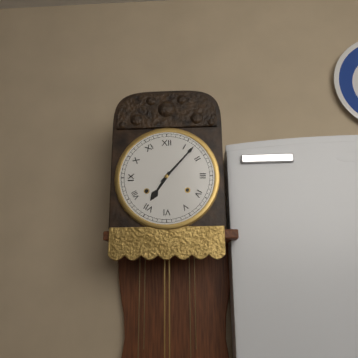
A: 7 h 07 min
